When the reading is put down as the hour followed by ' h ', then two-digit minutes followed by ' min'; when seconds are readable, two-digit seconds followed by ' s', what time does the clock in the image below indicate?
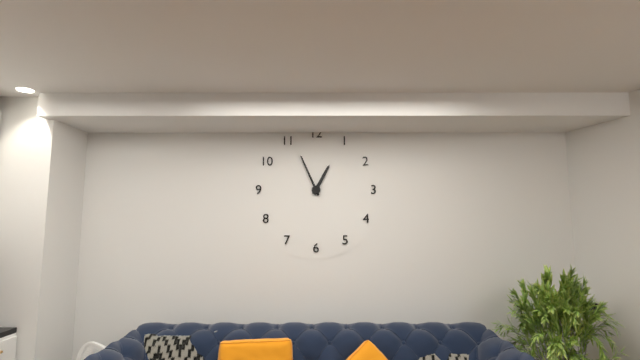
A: 12 h 56 min
